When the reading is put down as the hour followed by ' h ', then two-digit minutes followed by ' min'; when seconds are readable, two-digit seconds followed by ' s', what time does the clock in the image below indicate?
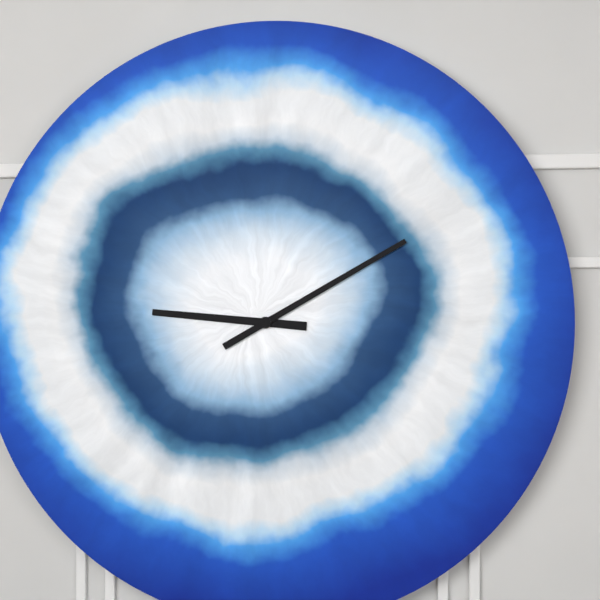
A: 9 h 10 min
